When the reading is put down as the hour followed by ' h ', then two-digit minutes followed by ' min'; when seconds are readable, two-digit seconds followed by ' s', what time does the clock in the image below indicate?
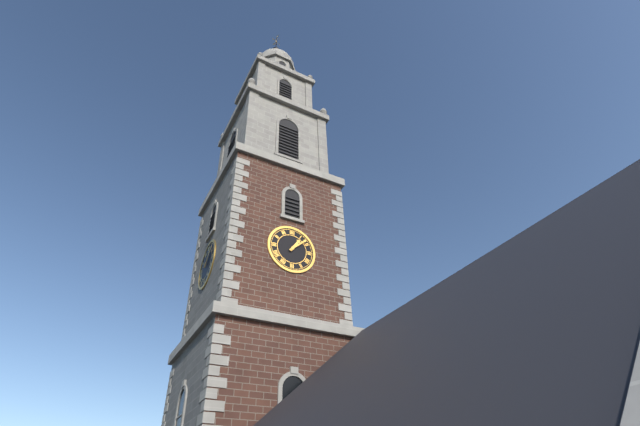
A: 1 h 08 min
